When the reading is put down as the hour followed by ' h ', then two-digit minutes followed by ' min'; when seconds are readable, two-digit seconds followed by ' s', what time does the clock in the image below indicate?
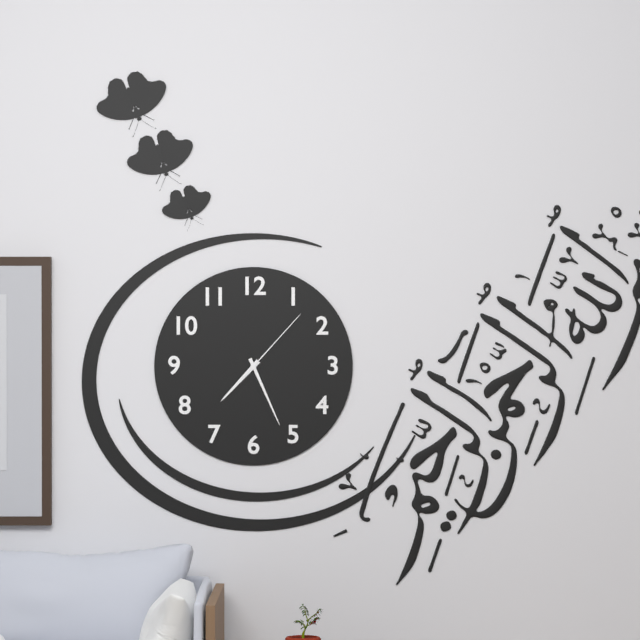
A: 7 h 26 min 07 s
